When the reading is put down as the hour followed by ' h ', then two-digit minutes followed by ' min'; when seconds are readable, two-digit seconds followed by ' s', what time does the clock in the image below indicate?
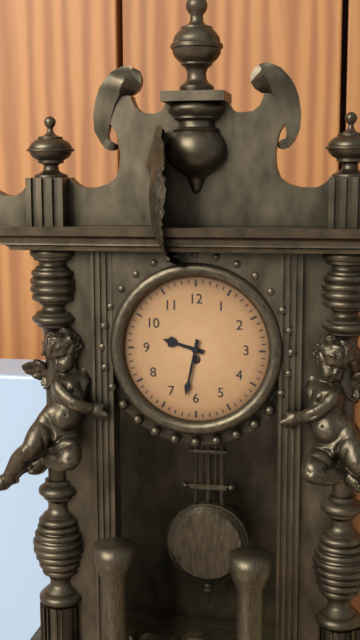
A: 9 h 32 min
